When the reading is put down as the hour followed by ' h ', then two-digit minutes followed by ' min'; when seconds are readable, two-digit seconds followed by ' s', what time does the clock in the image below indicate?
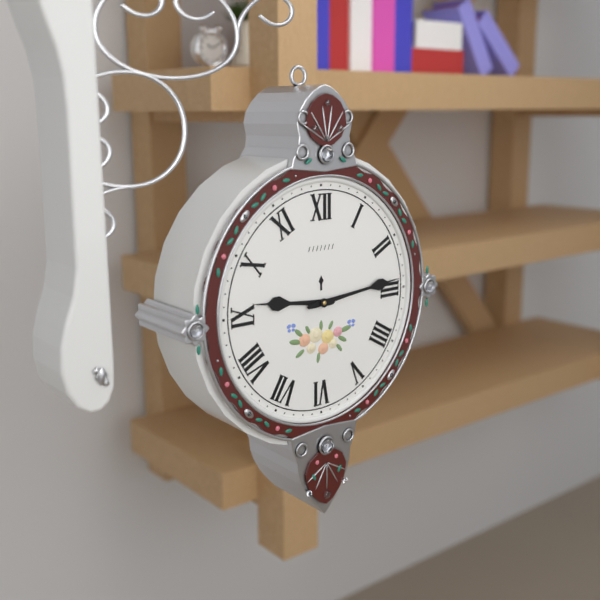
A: 9 h 14 min
